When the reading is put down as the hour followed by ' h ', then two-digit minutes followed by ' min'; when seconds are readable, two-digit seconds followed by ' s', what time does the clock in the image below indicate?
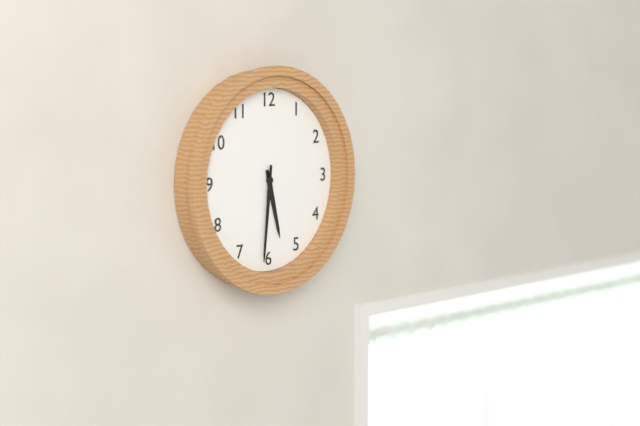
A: 5 h 31 min
